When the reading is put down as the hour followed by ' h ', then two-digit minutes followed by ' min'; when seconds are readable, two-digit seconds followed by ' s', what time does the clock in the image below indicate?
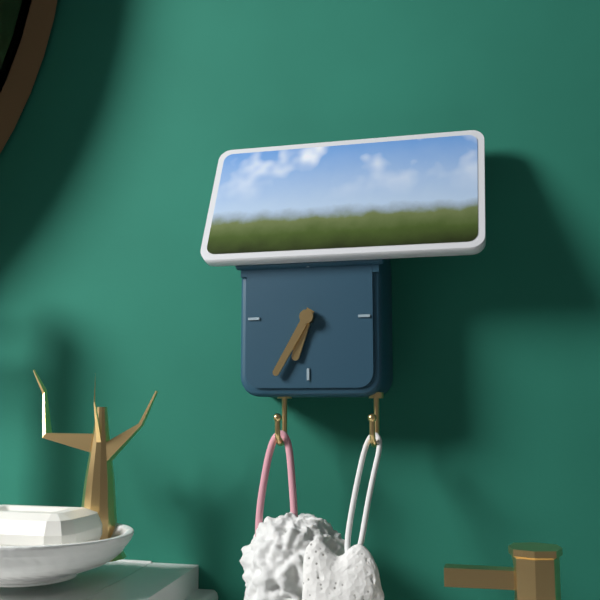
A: 6 h 35 min
